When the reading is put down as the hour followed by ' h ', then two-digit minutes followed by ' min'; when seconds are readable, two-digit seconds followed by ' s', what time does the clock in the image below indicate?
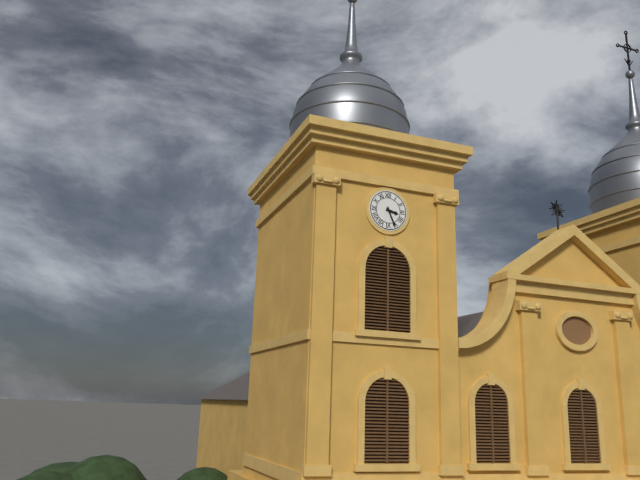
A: 3 h 26 min
